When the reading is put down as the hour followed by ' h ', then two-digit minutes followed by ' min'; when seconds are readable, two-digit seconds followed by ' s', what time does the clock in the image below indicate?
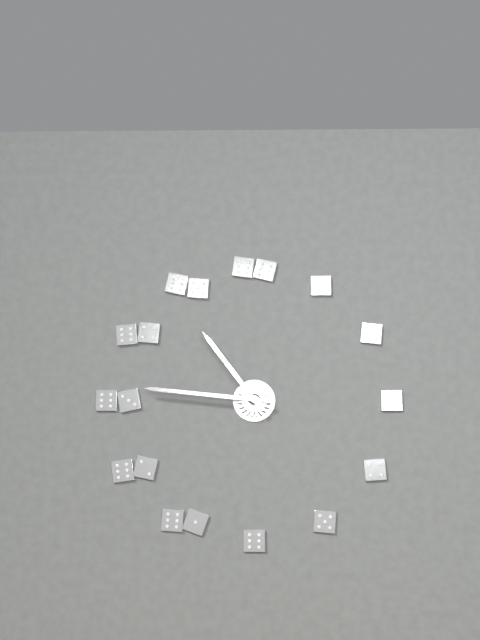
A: 10 h 46 min
